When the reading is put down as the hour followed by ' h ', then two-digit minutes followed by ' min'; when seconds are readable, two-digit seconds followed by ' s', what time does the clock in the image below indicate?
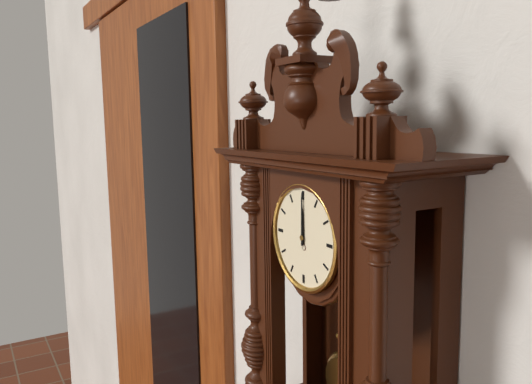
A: 12 h 00 min
